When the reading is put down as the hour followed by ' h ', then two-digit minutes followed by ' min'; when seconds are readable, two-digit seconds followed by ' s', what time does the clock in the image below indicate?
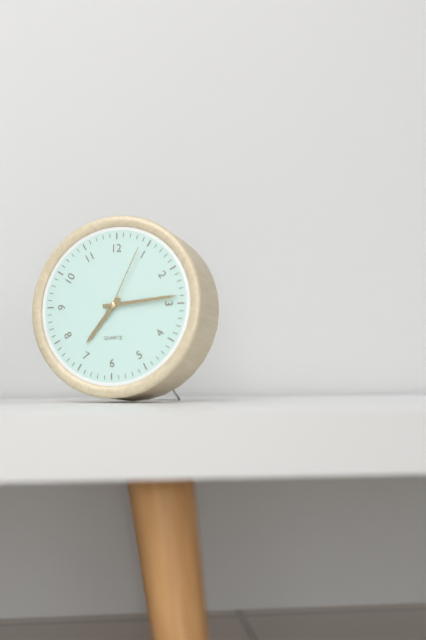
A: 7 h 14 min 04 s
